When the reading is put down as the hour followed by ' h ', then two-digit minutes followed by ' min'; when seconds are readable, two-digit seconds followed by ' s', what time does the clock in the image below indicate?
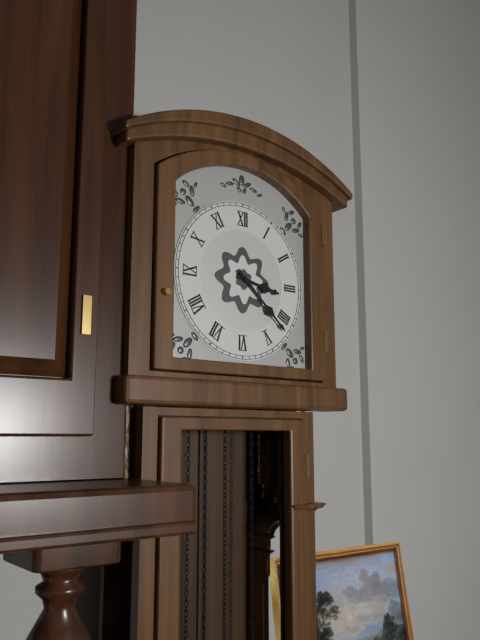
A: 3 h 22 min
